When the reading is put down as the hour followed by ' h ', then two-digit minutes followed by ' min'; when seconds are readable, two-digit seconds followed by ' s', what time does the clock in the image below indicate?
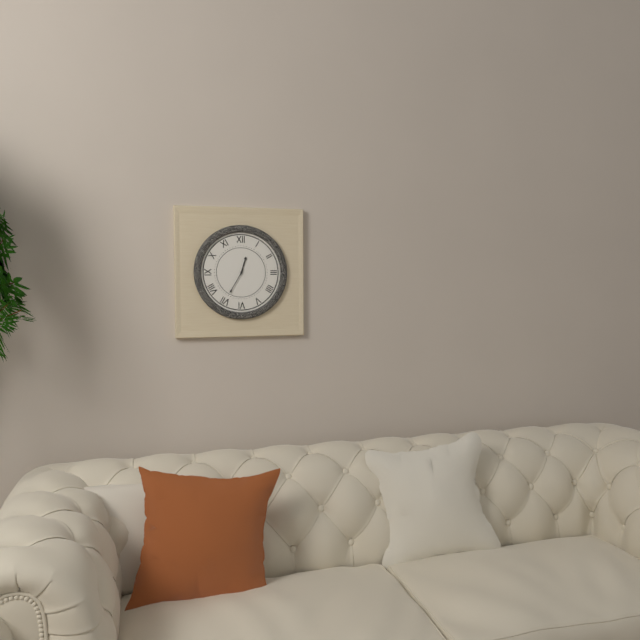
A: 12 h 35 min
